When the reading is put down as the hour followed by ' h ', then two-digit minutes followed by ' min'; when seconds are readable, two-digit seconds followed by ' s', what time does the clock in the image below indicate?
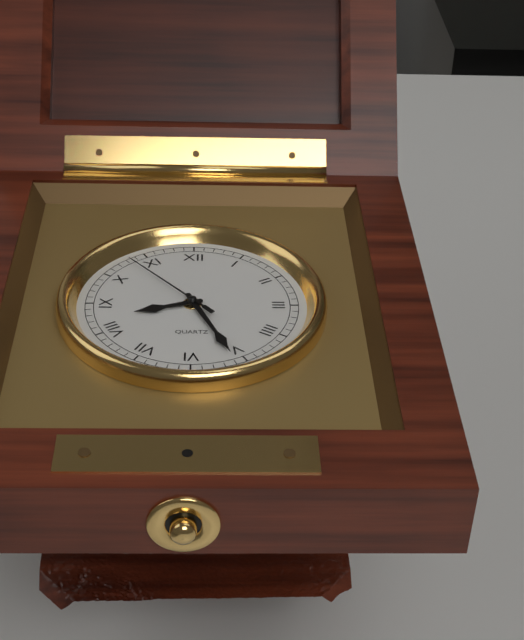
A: 8 h 26 min 53 s
